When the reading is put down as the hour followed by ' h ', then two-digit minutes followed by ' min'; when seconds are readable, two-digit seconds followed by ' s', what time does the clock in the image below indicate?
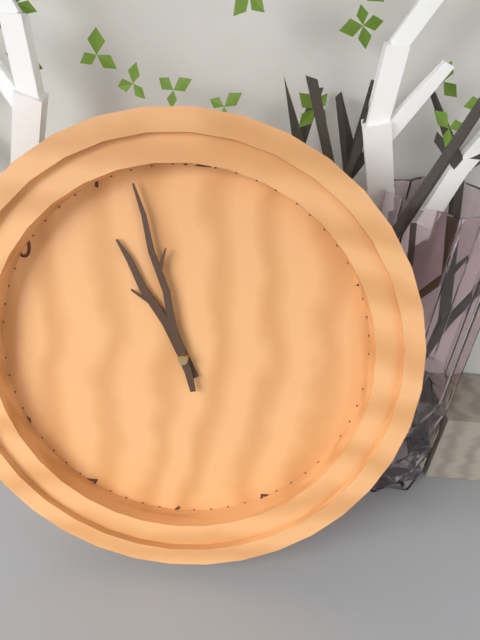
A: 10 h 57 min
